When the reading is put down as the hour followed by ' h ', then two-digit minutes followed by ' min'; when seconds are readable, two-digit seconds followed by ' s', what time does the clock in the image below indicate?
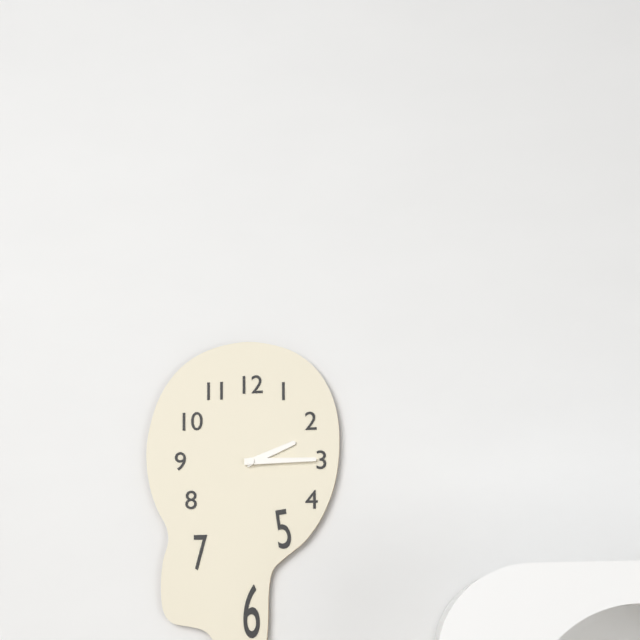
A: 2 h 15 min
